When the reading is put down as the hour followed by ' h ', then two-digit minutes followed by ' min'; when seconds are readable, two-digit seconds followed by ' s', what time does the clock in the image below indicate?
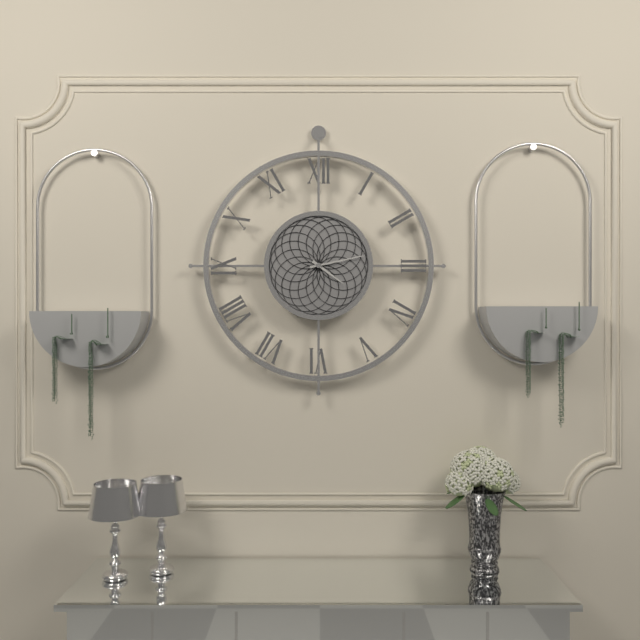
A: 4 h 13 min
